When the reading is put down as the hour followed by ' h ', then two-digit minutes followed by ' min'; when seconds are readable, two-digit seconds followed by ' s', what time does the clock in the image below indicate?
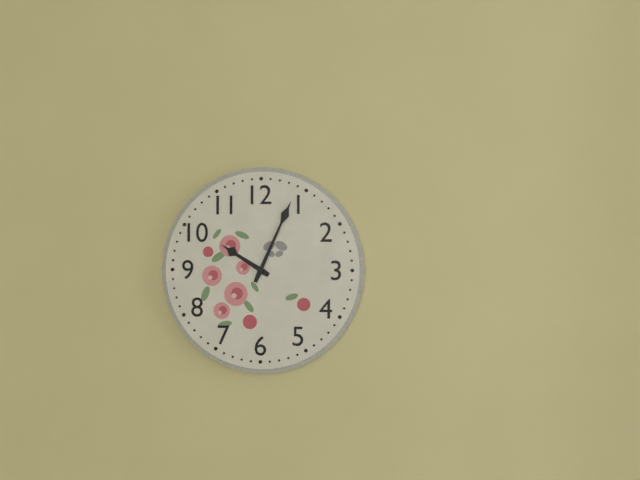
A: 10 h 04 min
